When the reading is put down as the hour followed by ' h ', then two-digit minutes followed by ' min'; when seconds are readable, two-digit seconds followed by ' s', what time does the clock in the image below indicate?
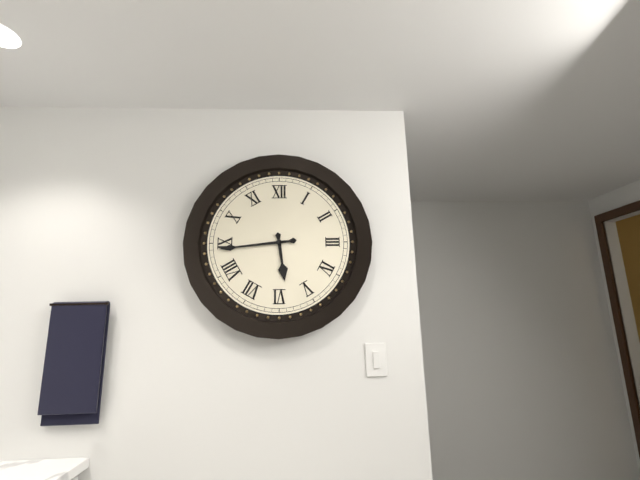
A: 5 h 44 min
